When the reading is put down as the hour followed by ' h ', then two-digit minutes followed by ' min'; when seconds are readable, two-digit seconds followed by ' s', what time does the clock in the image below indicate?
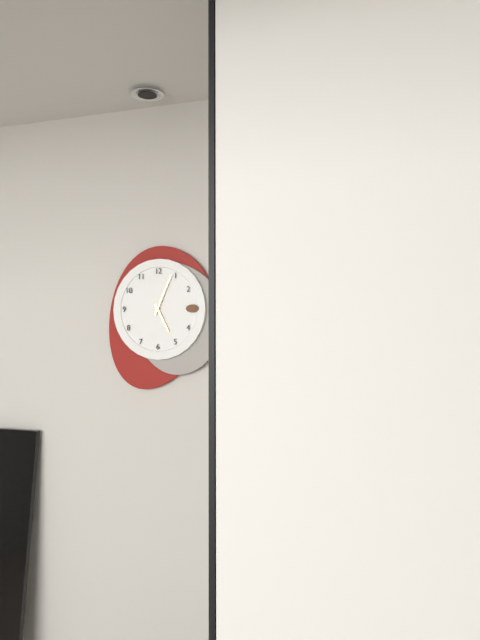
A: 5 h 04 min
